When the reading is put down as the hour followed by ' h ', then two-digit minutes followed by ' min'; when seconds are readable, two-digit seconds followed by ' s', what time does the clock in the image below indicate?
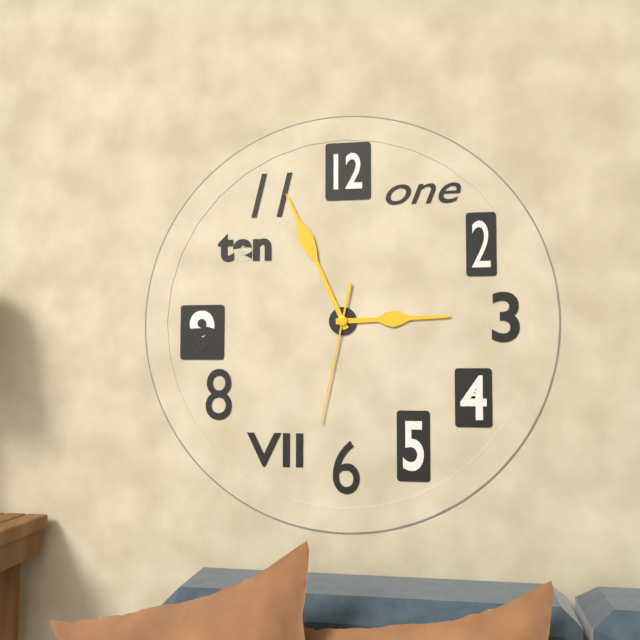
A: 2 h 56 min 32 s
